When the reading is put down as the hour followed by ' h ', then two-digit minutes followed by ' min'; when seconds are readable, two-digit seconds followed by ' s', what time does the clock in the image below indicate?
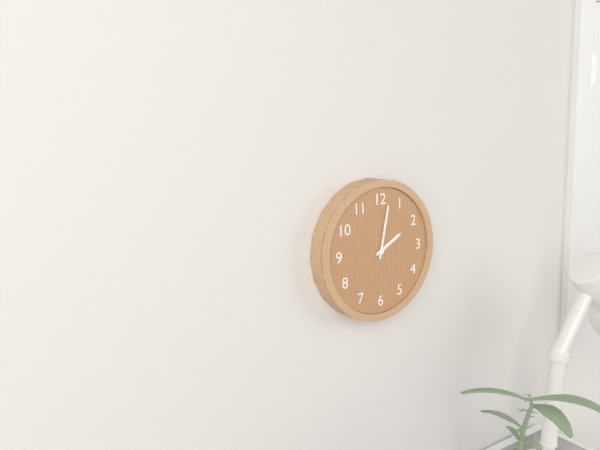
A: 2 h 02 min
